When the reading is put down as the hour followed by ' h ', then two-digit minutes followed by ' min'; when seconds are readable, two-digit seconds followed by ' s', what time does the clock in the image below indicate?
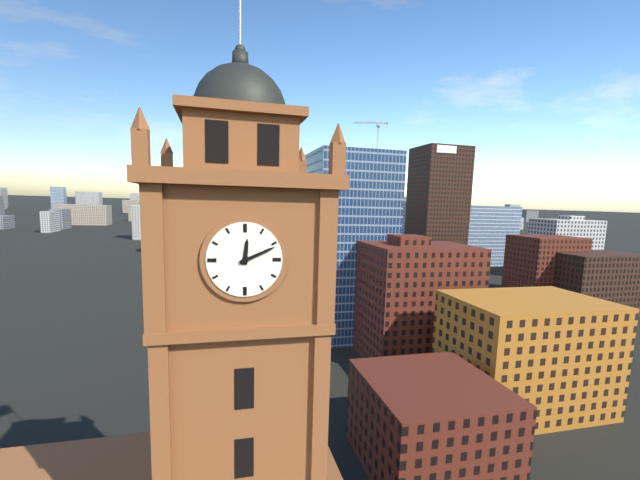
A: 12 h 11 min
